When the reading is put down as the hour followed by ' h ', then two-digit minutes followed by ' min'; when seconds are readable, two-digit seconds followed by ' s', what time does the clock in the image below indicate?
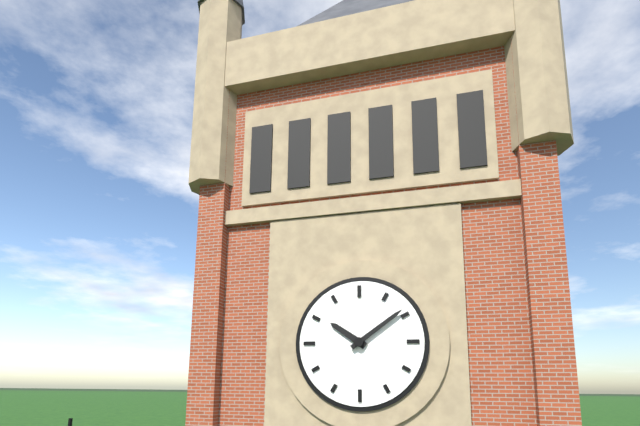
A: 10 h 09 min
